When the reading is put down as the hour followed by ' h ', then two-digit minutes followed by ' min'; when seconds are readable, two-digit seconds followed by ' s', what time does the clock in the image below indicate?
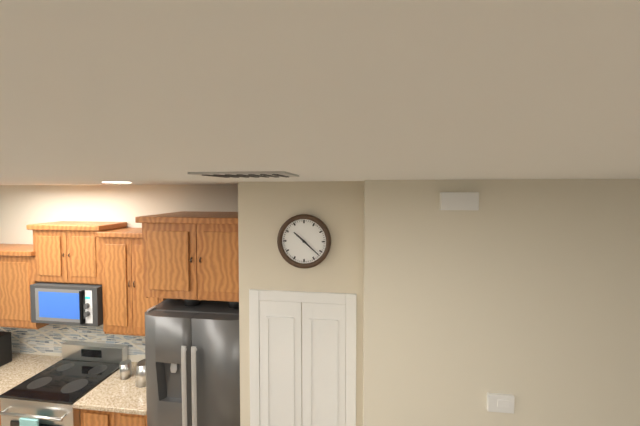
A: 10 h 22 min
